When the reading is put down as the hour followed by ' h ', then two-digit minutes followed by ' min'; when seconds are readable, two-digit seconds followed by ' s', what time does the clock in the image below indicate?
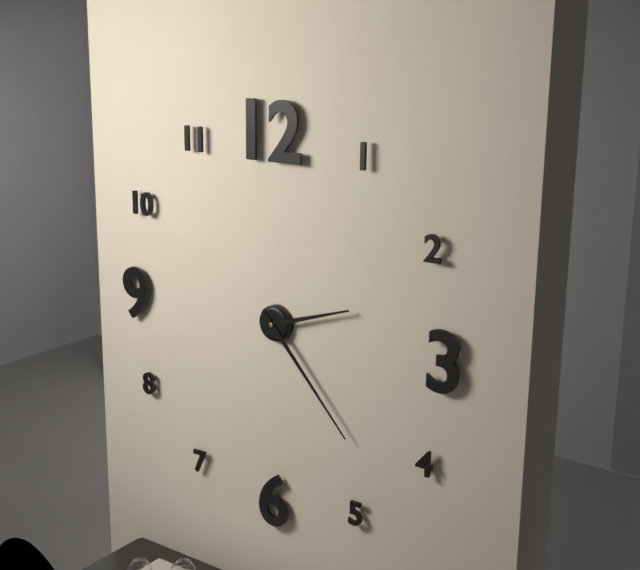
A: 2 h 23 min
